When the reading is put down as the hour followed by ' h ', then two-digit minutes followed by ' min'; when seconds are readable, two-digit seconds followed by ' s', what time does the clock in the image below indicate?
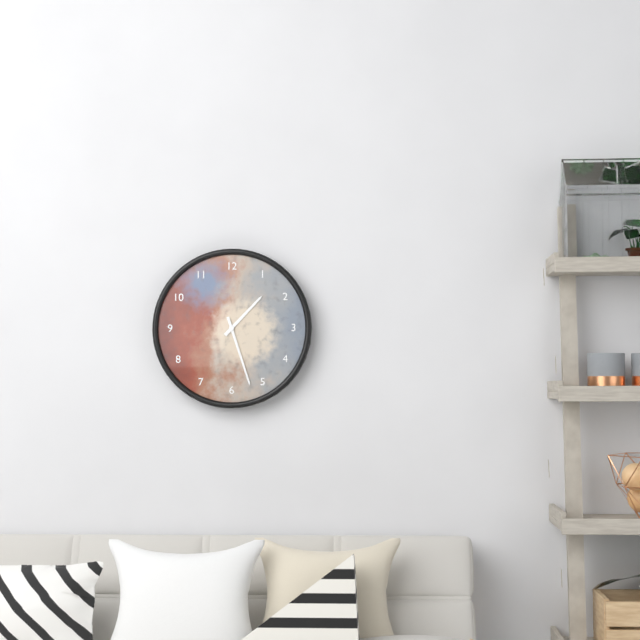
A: 1 h 27 min
